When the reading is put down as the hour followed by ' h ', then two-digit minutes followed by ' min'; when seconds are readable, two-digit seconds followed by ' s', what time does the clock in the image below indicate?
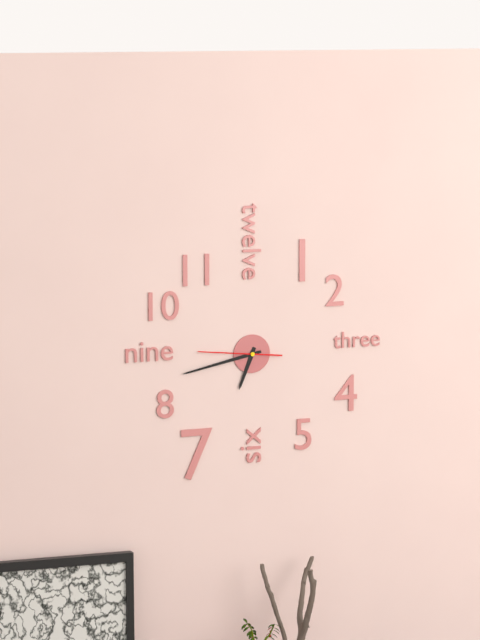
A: 6 h 43 min 46 s
